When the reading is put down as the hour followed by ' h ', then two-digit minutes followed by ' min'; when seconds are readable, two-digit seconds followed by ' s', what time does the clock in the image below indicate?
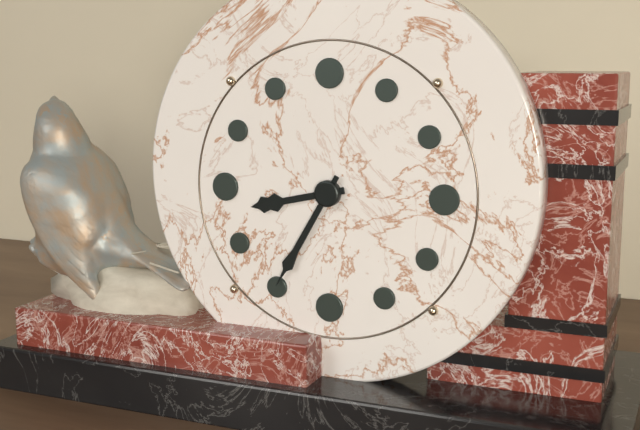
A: 8 h 35 min
